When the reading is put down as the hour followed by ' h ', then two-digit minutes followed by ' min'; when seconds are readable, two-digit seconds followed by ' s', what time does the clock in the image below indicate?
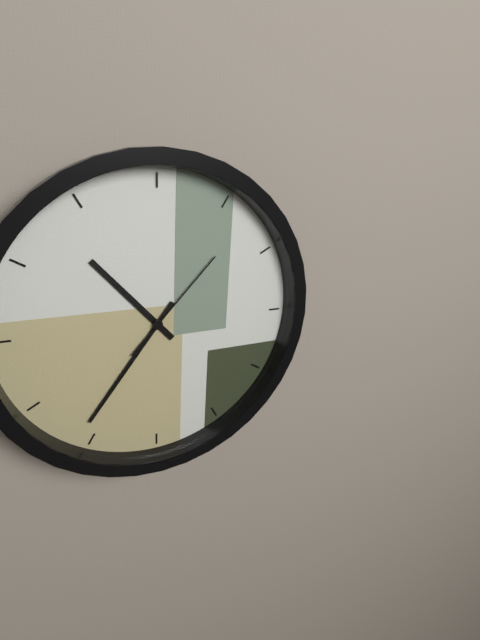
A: 10 h 36 min 07 s
